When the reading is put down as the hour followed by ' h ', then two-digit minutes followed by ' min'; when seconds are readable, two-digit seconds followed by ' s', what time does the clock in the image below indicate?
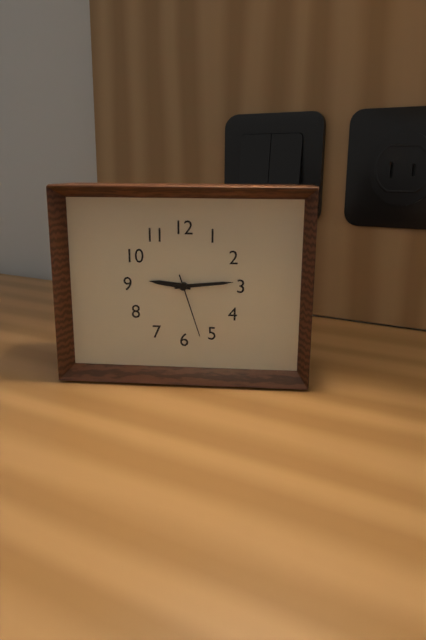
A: 9 h 14 min 27 s
